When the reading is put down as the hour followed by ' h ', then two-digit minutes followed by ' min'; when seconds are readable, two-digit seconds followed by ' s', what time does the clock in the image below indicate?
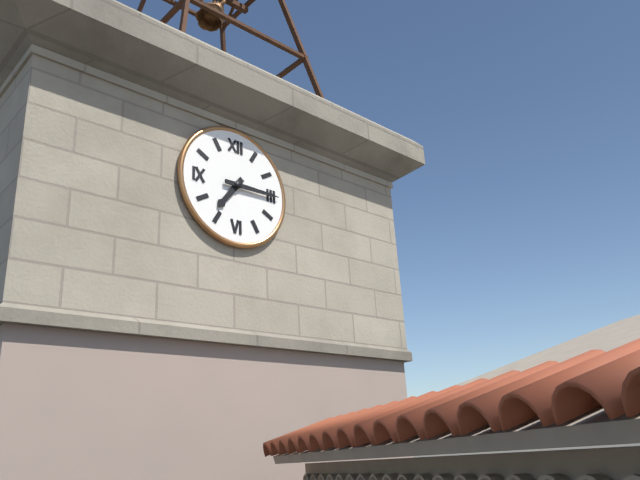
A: 7 h 15 min
